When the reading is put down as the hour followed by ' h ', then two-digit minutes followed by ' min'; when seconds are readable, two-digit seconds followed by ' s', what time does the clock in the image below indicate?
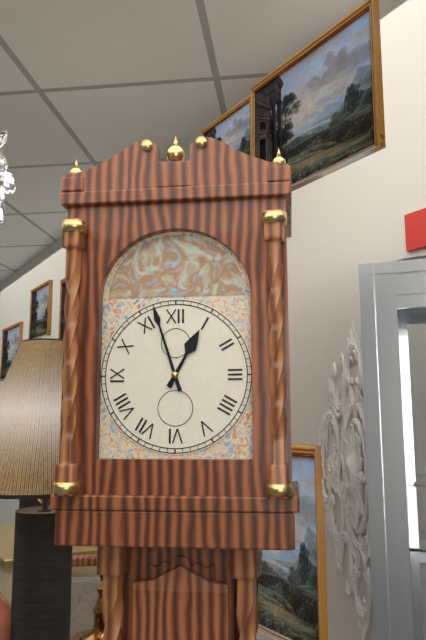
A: 12 h 57 min
